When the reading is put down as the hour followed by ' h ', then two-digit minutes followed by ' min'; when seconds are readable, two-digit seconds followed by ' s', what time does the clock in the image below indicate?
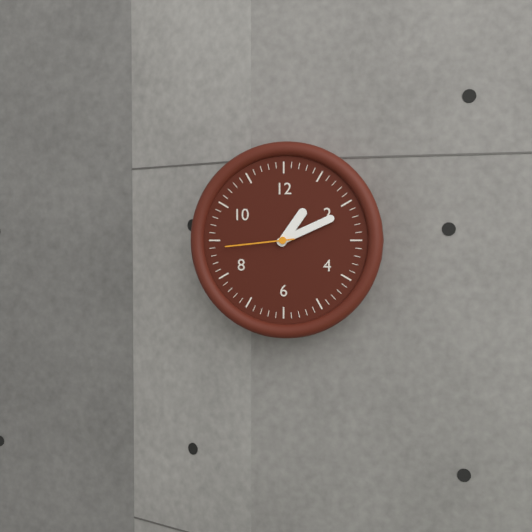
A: 1 h 11 min 44 s
